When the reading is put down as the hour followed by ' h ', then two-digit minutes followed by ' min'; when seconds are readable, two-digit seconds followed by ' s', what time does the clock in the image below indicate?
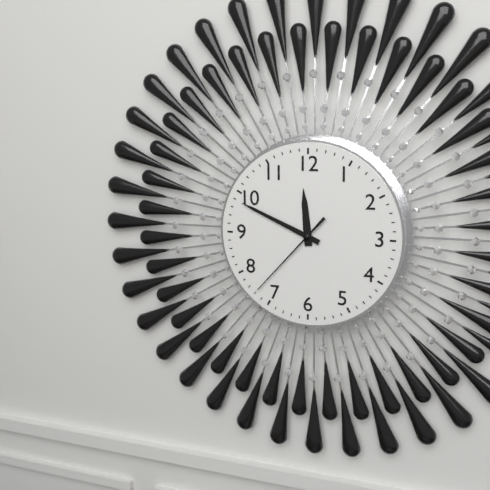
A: 11 h 49 min 37 s
